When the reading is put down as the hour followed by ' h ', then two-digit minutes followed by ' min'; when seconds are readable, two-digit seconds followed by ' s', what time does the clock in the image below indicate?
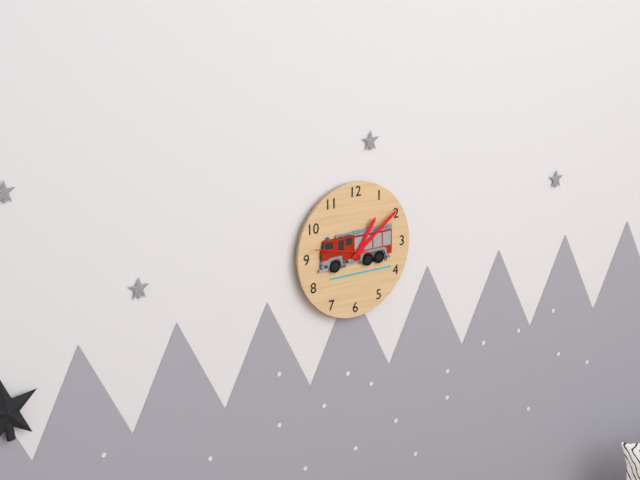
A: 1 h 09 min 47 s
